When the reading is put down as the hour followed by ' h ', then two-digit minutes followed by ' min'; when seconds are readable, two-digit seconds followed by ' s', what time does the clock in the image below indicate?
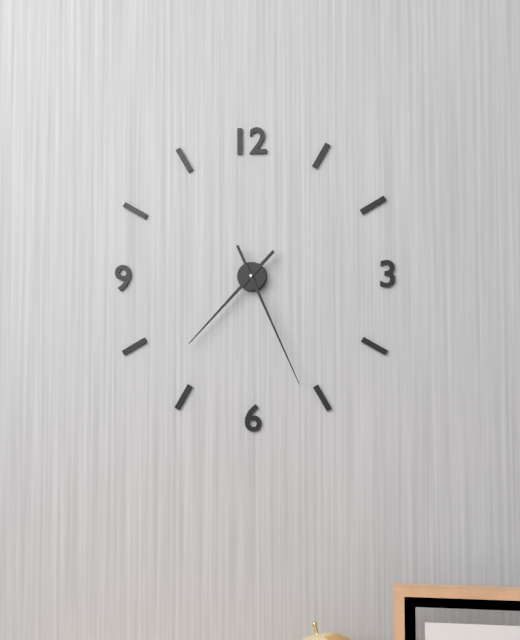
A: 7 h 26 min
